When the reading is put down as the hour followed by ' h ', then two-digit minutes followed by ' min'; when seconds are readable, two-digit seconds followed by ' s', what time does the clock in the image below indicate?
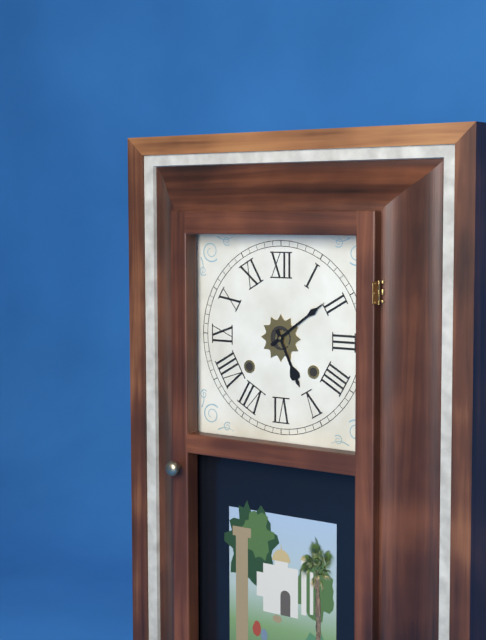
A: 5 h 09 min
